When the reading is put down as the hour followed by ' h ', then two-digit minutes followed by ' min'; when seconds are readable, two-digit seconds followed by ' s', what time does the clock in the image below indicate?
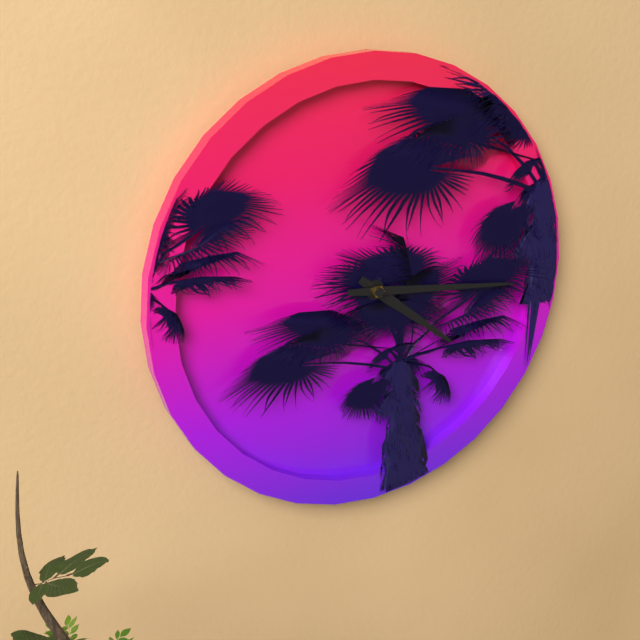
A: 4 h 16 min
